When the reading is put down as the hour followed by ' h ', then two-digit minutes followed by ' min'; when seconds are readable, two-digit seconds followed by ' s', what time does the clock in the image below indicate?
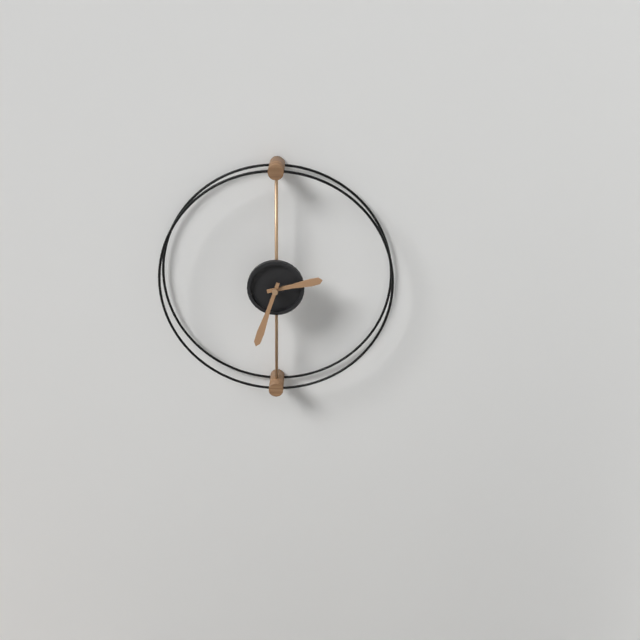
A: 2 h 33 min
